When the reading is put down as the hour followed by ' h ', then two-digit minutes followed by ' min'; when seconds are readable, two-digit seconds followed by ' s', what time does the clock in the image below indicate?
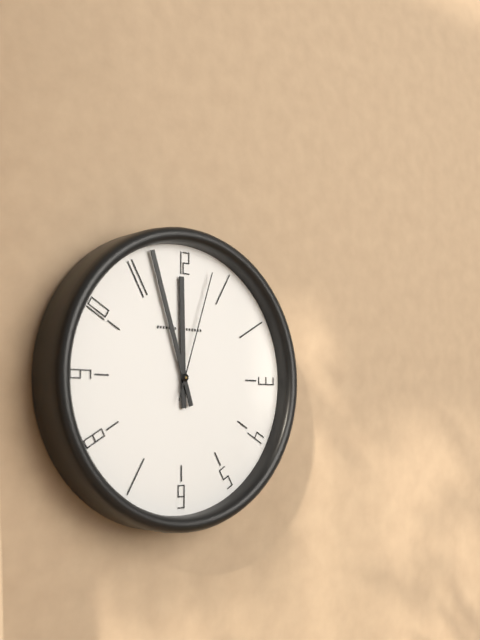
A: 11 h 57 min 03 s
